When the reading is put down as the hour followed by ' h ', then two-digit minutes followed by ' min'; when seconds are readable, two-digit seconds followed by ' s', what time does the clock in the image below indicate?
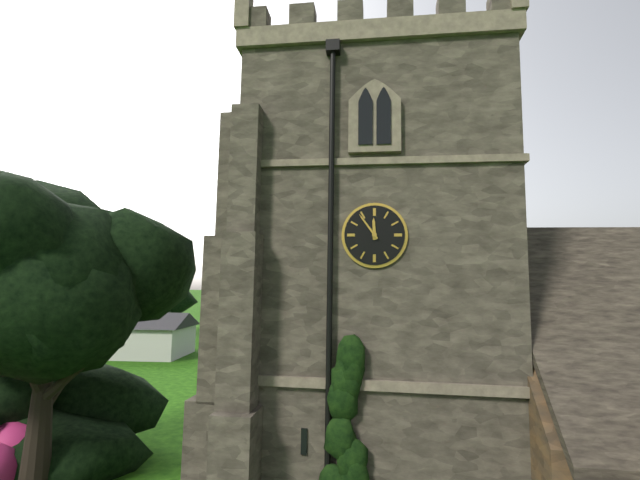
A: 11 h 54 min
